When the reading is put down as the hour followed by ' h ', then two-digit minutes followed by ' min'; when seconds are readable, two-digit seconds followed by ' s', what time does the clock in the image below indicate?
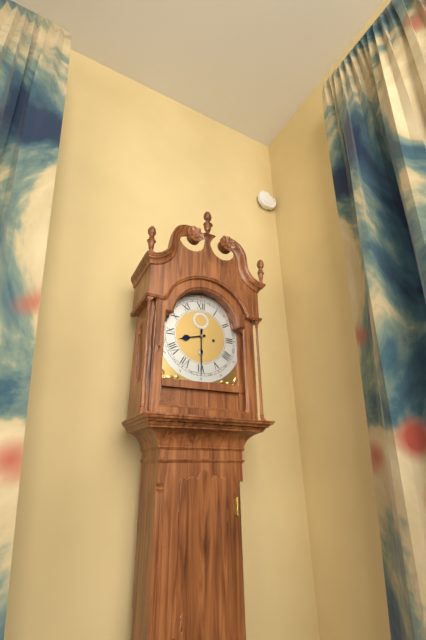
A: 8 h 30 min
